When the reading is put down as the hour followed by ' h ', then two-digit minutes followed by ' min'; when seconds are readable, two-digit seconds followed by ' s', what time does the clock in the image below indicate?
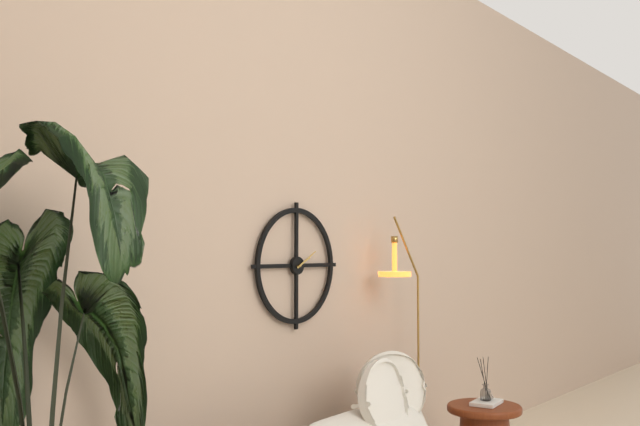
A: 2 h 10 min
